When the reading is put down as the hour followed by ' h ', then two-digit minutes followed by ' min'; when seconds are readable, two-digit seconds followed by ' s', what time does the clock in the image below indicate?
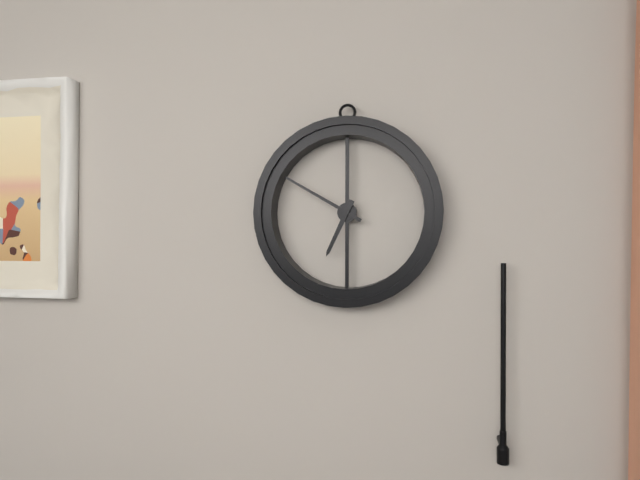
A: 6 h 50 min
